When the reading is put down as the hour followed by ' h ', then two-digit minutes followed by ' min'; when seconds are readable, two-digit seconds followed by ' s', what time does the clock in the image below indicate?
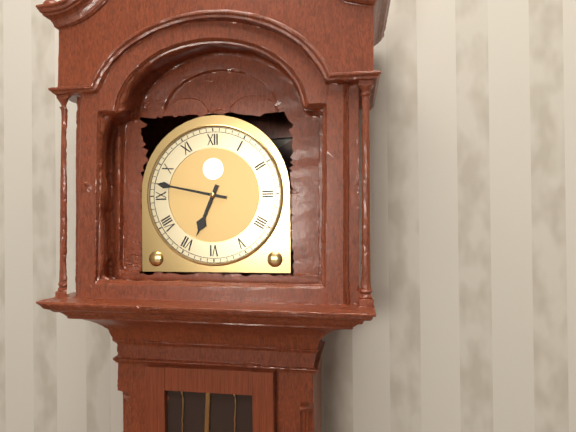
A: 6 h 47 min
